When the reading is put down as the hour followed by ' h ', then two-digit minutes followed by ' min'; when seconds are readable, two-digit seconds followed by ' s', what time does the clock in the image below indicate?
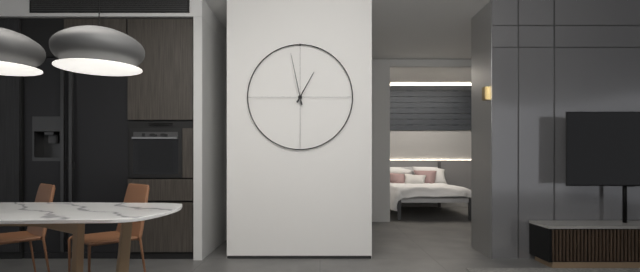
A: 12 h 58 min
